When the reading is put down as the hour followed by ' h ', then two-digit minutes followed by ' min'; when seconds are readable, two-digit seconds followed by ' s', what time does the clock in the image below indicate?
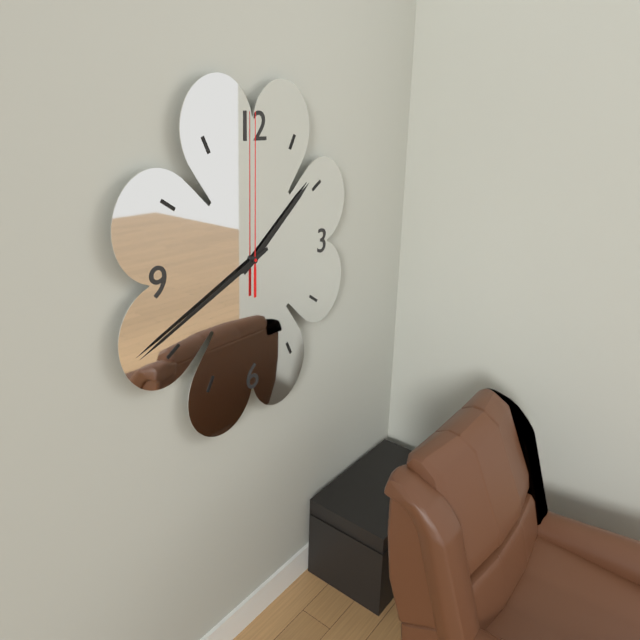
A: 1 h 41 min 00 s
